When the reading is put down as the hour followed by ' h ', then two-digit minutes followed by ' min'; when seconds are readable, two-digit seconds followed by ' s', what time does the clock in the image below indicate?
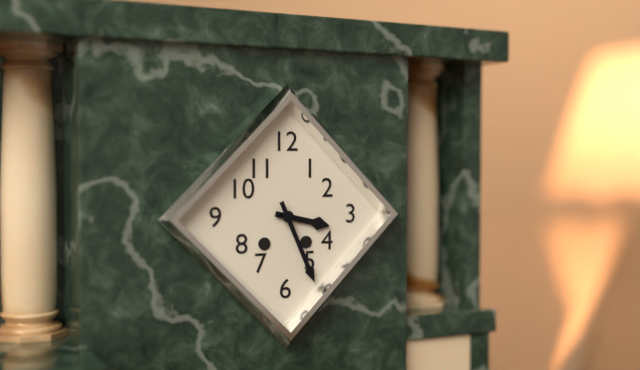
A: 3 h 26 min
